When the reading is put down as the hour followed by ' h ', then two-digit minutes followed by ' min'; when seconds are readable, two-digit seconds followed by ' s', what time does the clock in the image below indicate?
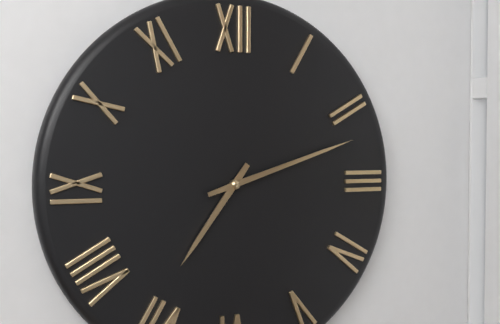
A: 7 h 12 min
